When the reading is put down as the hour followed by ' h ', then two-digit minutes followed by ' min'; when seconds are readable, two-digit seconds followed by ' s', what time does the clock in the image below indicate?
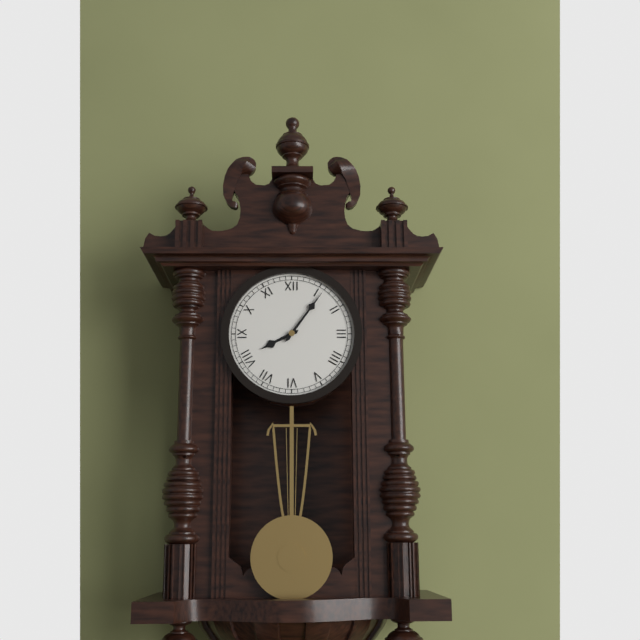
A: 8 h 06 min
